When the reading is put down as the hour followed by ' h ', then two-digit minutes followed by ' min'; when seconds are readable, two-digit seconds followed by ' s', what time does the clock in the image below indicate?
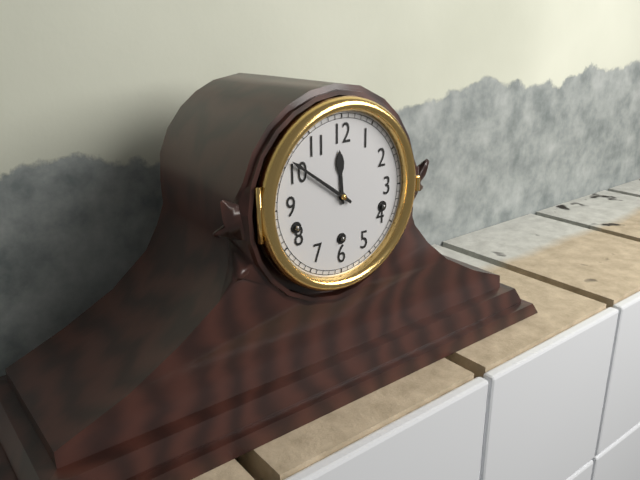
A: 11 h 51 min
